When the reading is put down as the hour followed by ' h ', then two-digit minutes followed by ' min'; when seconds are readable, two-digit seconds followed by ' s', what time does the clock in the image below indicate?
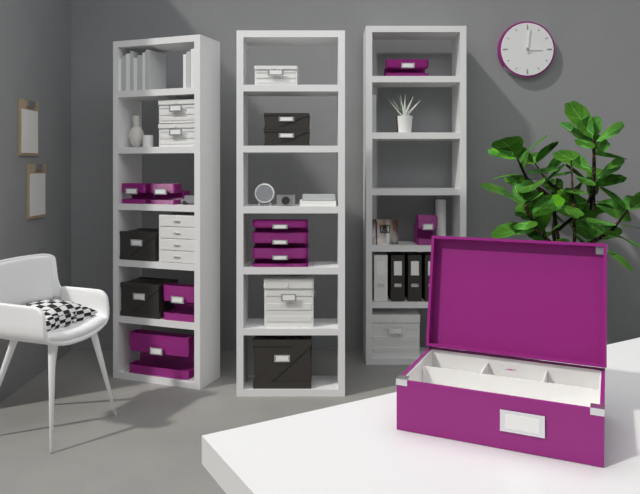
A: 3 h 01 min
